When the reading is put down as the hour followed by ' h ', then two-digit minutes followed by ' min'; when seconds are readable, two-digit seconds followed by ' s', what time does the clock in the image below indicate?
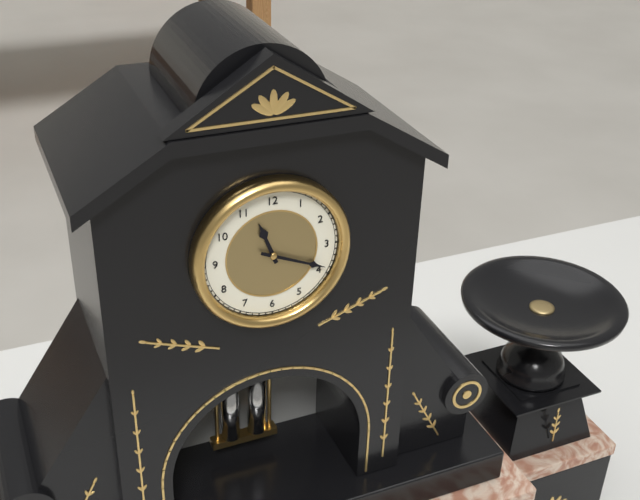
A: 11 h 19 min
